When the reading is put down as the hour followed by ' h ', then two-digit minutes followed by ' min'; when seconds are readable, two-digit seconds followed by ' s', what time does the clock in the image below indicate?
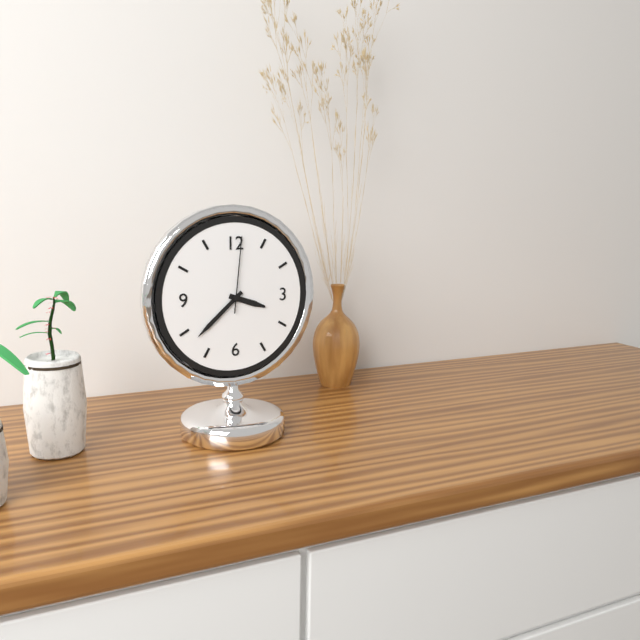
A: 3 h 38 min 01 s
